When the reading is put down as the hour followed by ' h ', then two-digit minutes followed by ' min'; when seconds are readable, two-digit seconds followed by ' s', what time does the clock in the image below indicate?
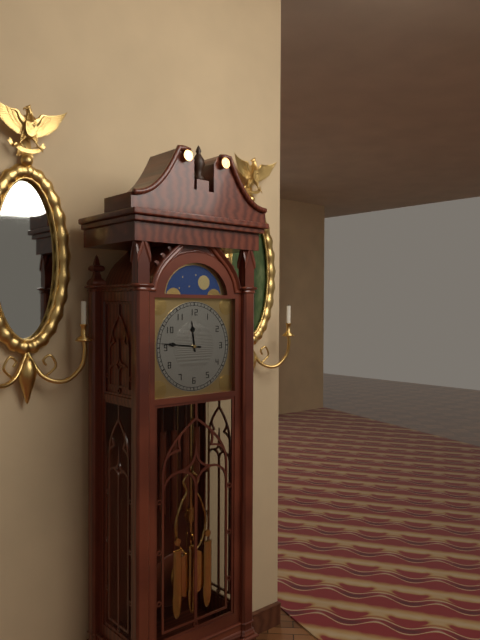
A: 11 h 46 min
